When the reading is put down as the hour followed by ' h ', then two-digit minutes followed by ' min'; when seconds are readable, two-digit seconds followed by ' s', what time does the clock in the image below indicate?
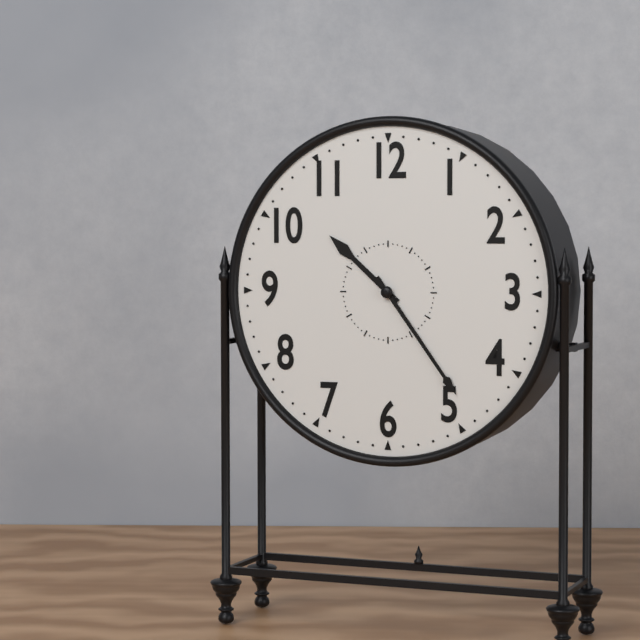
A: 10 h 24 min
